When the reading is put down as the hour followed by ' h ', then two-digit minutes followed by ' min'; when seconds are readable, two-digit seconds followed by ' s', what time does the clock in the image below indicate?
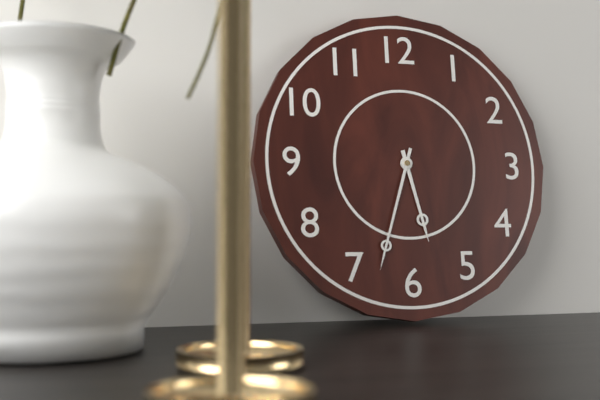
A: 5 h 33 min
